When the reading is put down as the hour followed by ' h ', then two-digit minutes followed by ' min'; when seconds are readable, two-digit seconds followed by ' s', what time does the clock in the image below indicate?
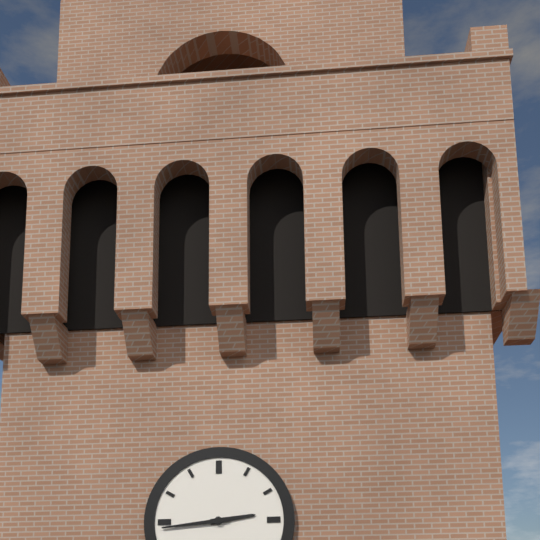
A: 2 h 44 min
